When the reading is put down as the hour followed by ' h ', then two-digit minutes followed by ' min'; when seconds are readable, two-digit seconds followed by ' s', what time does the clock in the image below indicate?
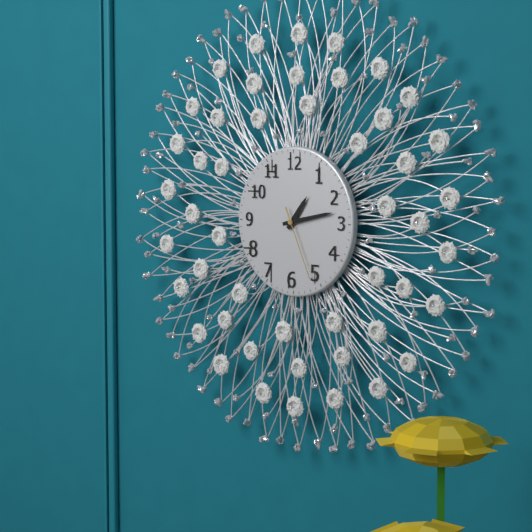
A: 1 h 13 min 26 s
